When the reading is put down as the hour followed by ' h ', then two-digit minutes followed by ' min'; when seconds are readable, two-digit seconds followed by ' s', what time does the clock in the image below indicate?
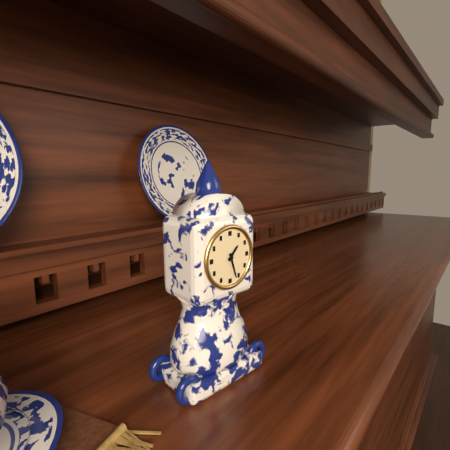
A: 1 h 27 min
